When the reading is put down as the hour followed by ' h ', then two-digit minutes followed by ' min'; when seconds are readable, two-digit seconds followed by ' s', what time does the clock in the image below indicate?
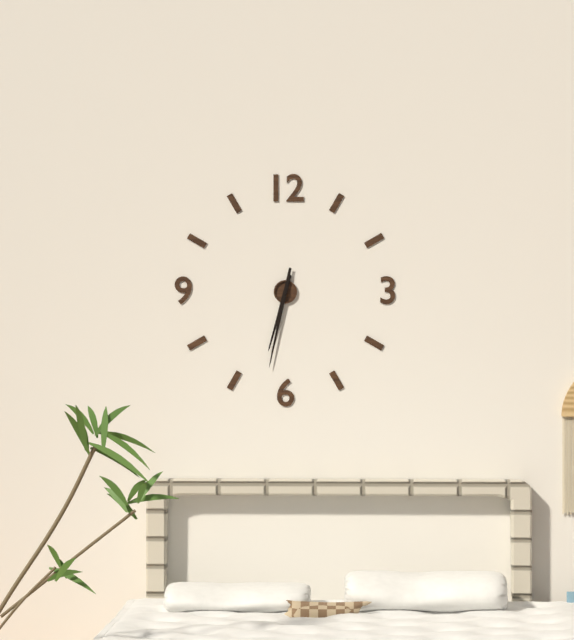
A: 6 h 32 min
